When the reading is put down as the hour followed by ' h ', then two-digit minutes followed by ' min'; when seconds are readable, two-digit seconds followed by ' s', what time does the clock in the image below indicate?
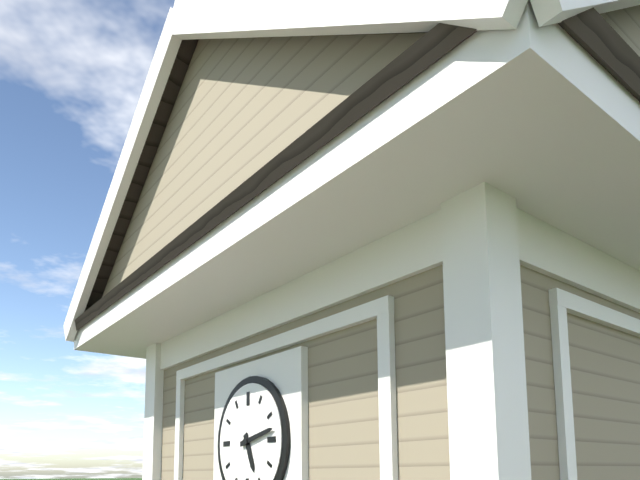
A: 5 h 13 min
